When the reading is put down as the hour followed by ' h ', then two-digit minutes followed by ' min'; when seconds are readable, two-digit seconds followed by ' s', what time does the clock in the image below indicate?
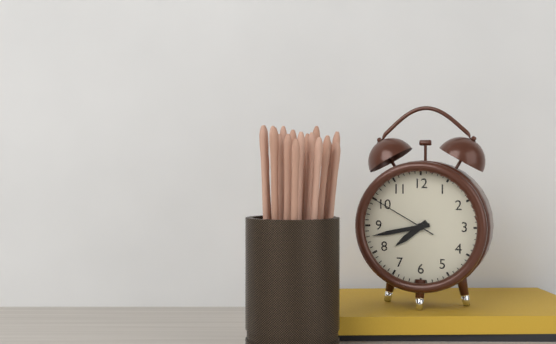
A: 7 h 43 min 50 s
